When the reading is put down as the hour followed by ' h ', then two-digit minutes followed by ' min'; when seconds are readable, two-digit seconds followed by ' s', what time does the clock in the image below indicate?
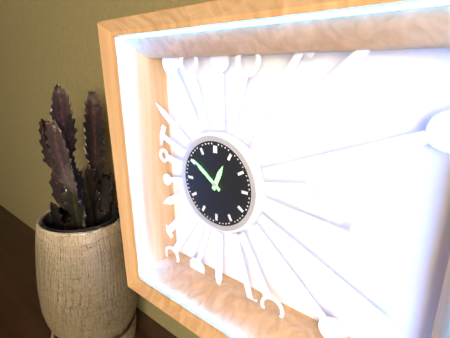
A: 12 h 51 min
